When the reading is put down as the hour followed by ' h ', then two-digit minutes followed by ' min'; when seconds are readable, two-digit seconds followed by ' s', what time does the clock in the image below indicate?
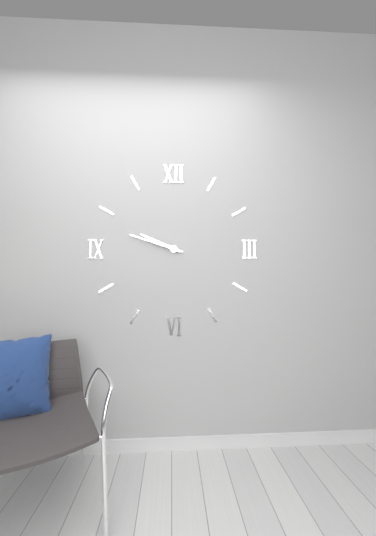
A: 9 h 48 min
